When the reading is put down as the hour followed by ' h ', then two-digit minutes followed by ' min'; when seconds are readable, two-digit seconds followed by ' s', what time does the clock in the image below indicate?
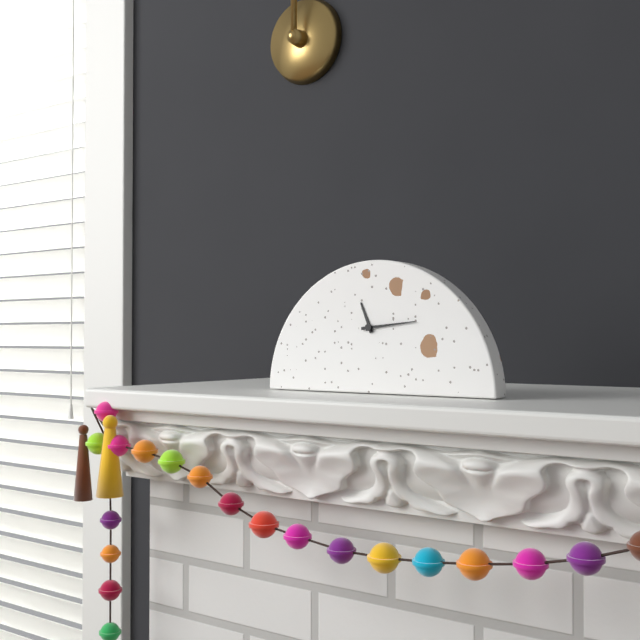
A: 11 h 14 min
